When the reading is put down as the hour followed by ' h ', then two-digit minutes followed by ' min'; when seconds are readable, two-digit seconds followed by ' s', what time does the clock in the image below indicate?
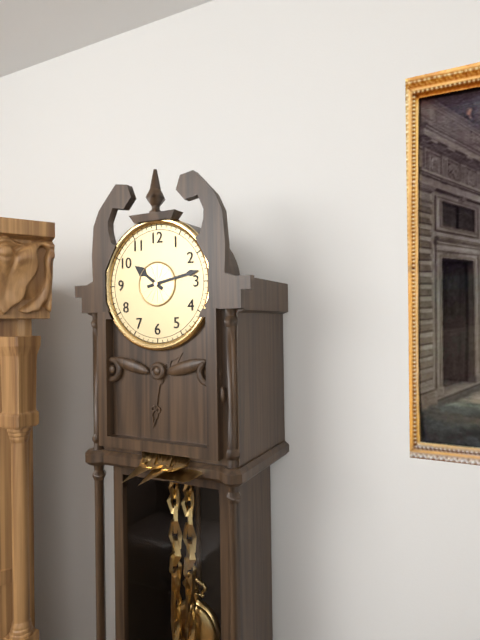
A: 10 h 13 min
